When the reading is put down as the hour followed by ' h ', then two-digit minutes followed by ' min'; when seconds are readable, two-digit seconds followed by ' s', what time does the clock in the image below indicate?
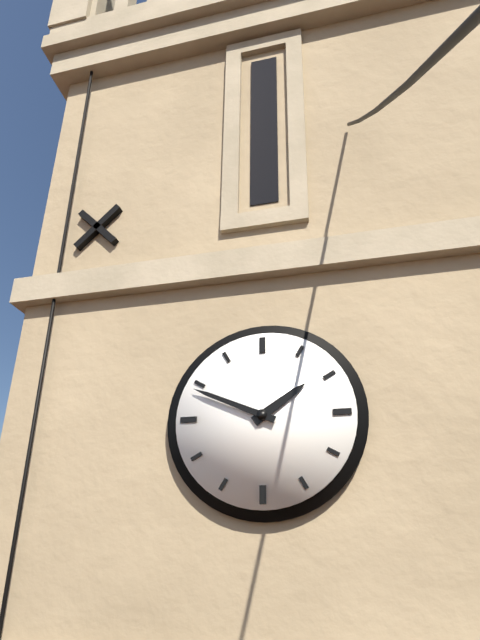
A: 1 h 49 min
